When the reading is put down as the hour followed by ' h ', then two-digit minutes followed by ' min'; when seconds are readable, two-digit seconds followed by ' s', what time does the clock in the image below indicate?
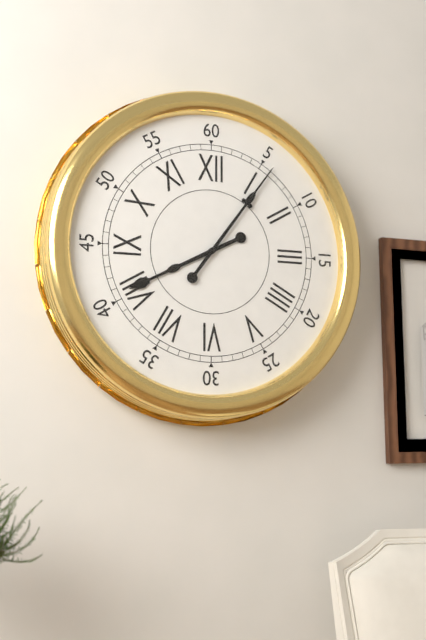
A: 8 h 06 min
